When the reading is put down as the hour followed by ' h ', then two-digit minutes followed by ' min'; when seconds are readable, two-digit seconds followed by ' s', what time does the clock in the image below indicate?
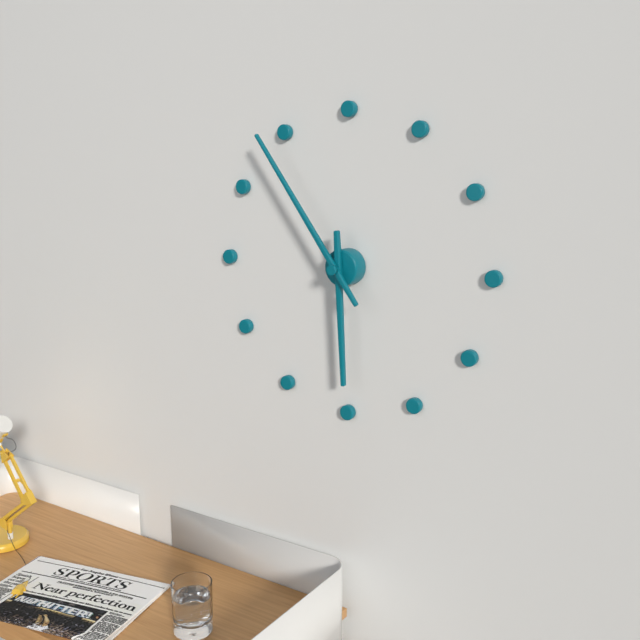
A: 5 h 54 min
